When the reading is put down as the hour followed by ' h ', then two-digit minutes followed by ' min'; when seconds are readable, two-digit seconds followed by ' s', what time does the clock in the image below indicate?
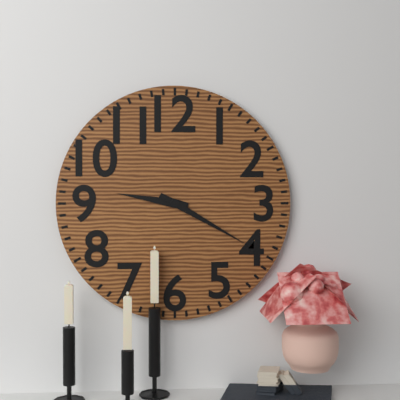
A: 9 h 20 min
